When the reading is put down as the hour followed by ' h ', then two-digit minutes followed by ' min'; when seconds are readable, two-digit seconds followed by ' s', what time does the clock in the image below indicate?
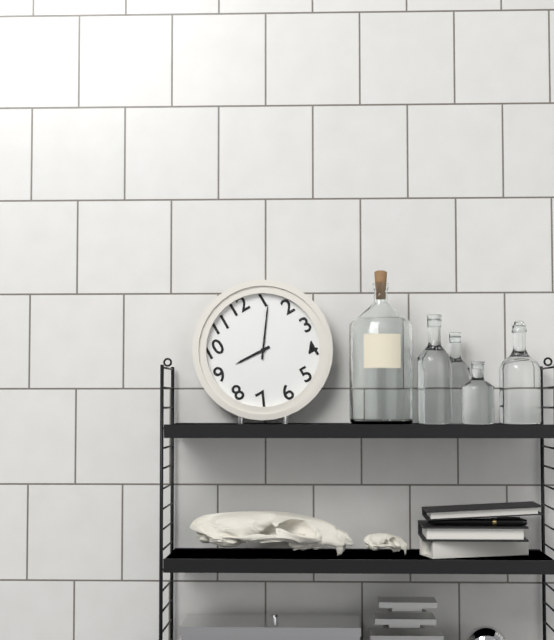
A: 9 h 06 min
